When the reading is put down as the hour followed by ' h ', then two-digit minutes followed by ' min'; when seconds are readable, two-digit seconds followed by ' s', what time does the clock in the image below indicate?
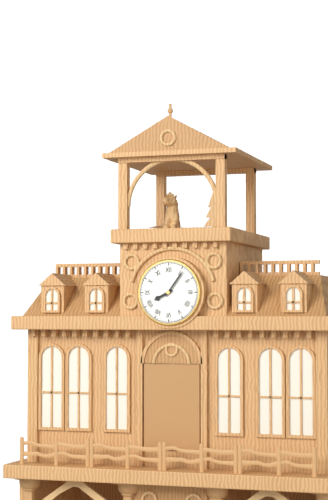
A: 8 h 06 min
